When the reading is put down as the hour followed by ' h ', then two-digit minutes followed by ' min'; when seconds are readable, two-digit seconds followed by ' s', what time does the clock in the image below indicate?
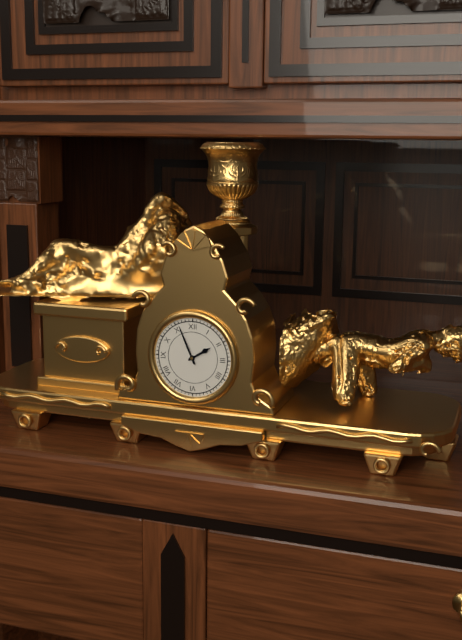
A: 1 h 56 min
